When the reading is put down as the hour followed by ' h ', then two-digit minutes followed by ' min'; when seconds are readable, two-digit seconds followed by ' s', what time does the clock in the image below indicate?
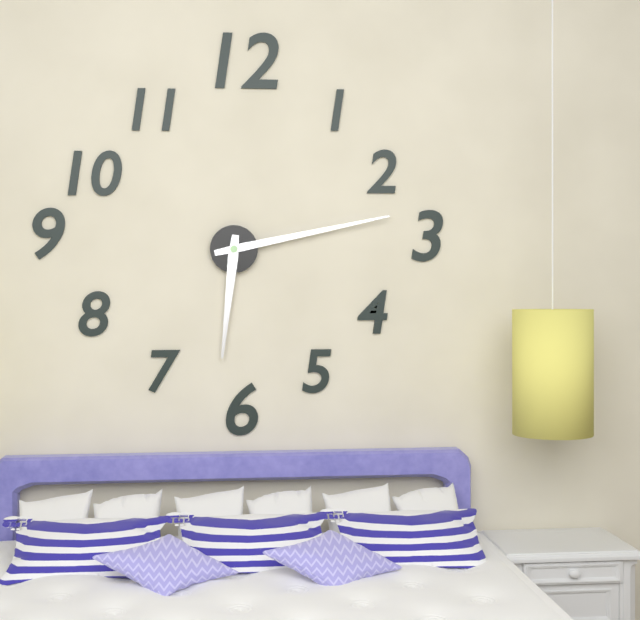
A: 6 h 13 min
